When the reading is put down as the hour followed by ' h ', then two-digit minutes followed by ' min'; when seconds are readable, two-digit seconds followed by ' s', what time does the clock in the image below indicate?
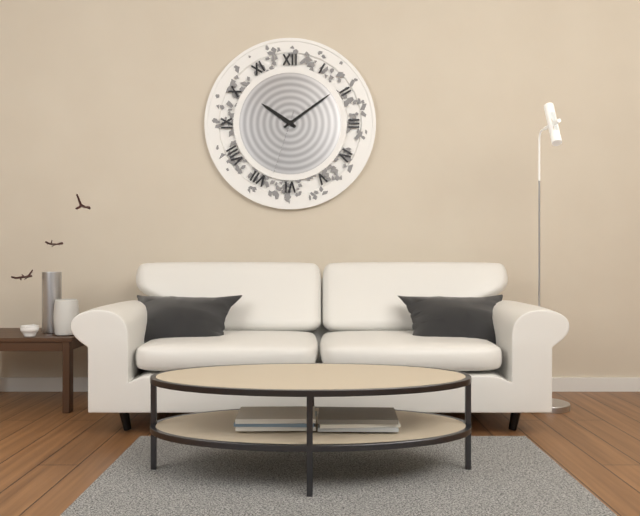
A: 10 h 09 min 33 s
